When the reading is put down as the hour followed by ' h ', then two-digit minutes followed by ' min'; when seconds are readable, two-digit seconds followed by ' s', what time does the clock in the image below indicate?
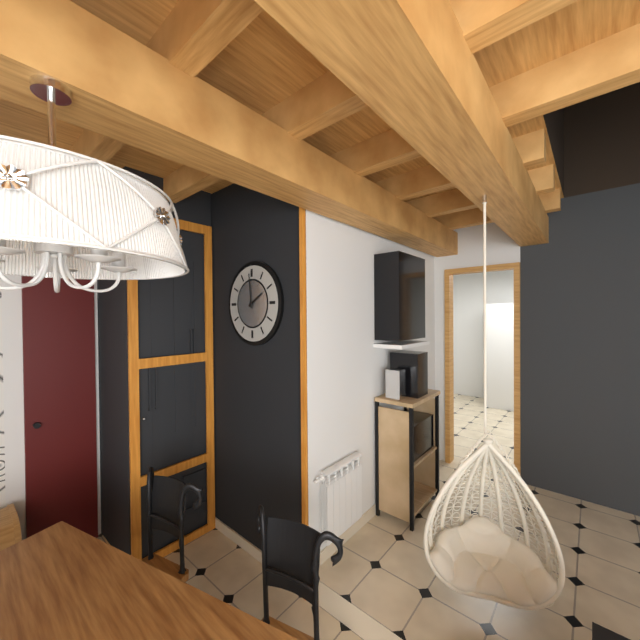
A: 1 h 59 min
